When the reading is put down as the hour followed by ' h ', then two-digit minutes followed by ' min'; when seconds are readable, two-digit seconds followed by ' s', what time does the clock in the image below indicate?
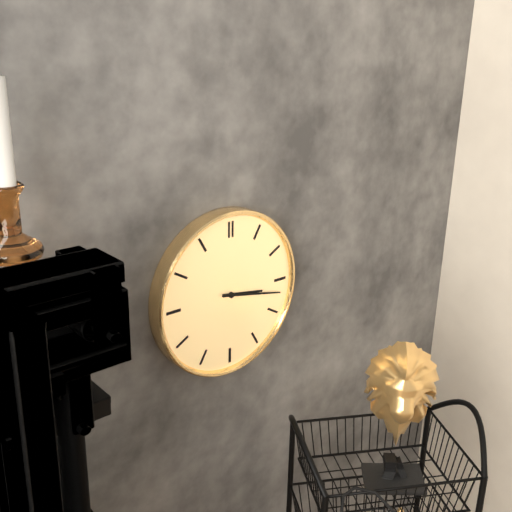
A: 3 h 17 min
